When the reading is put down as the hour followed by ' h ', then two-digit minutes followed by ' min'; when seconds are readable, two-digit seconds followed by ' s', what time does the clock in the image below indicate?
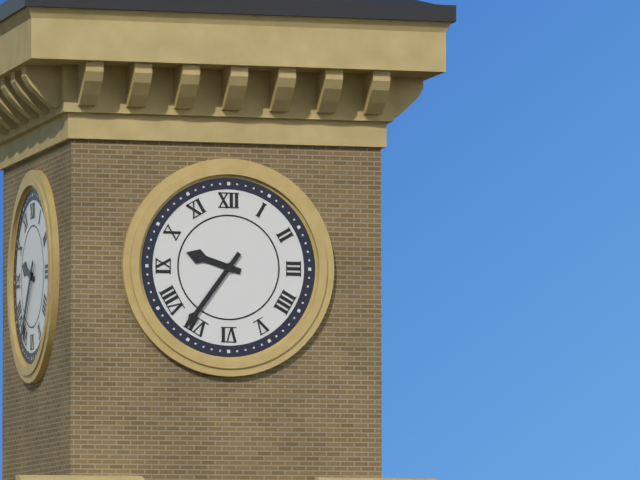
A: 9 h 36 min
